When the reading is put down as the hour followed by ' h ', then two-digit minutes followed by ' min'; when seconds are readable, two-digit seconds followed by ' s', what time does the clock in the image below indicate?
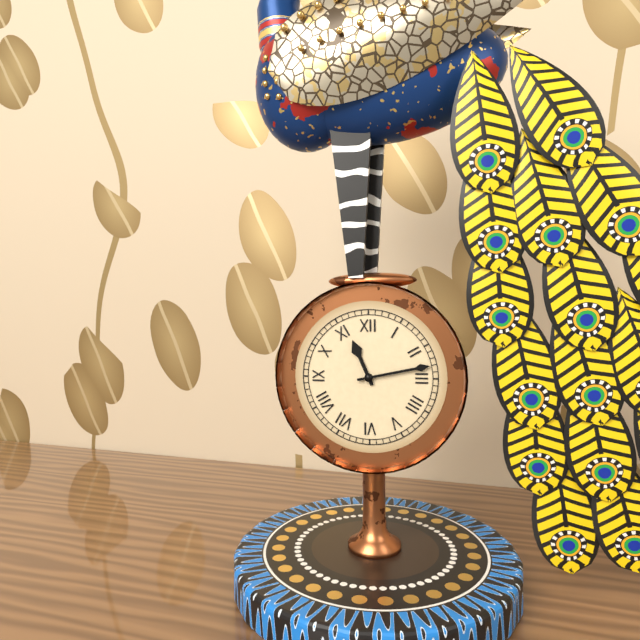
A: 11 h 13 min
